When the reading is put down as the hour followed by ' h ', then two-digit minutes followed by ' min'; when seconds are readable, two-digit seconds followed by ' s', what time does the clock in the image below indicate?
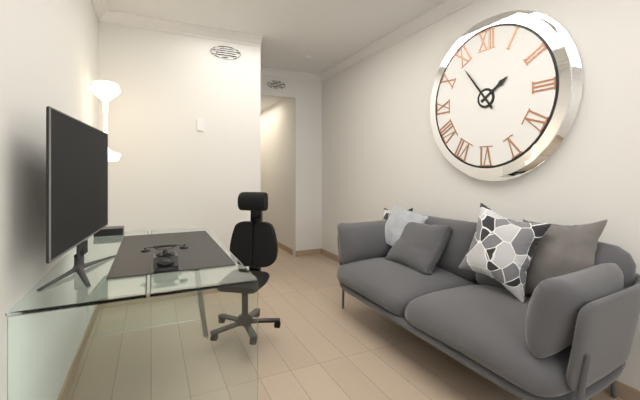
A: 1 h 54 min
